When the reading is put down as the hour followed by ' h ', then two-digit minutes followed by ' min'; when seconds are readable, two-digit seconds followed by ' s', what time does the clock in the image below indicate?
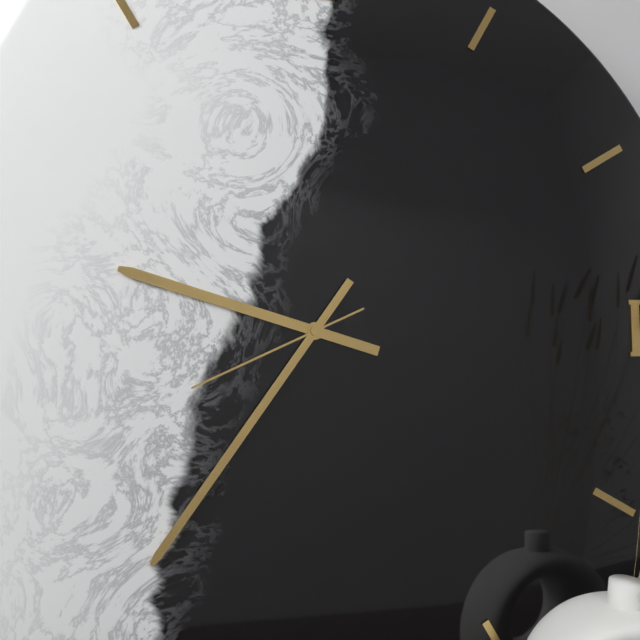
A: 9 h 36 min 41 s
